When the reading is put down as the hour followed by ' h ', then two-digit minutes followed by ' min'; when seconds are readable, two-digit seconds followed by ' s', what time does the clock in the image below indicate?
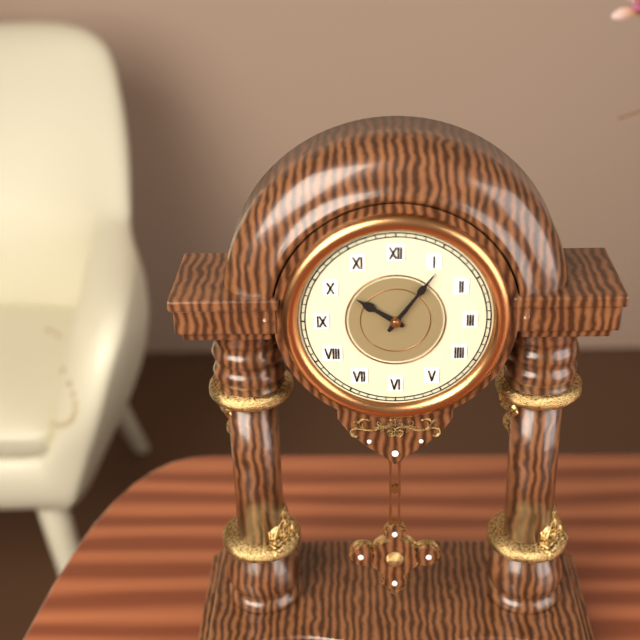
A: 10 h 06 min
